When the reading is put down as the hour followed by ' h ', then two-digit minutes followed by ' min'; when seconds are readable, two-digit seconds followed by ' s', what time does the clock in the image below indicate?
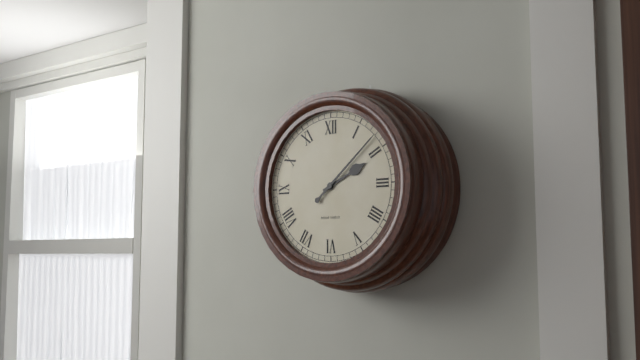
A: 2 h 08 min
